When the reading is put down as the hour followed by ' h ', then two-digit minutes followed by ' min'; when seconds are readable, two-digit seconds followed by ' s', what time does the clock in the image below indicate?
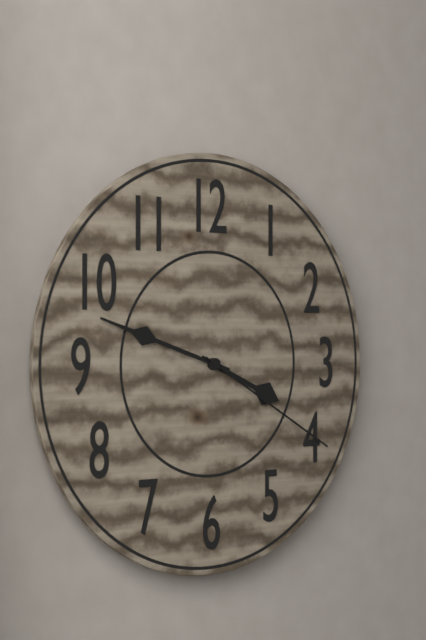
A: 3 h 48 min 20 s
